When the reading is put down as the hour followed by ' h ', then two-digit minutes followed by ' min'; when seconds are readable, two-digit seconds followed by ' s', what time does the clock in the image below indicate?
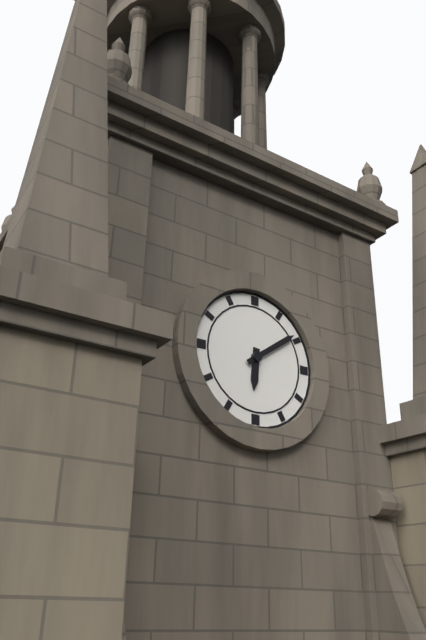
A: 6 h 09 min
